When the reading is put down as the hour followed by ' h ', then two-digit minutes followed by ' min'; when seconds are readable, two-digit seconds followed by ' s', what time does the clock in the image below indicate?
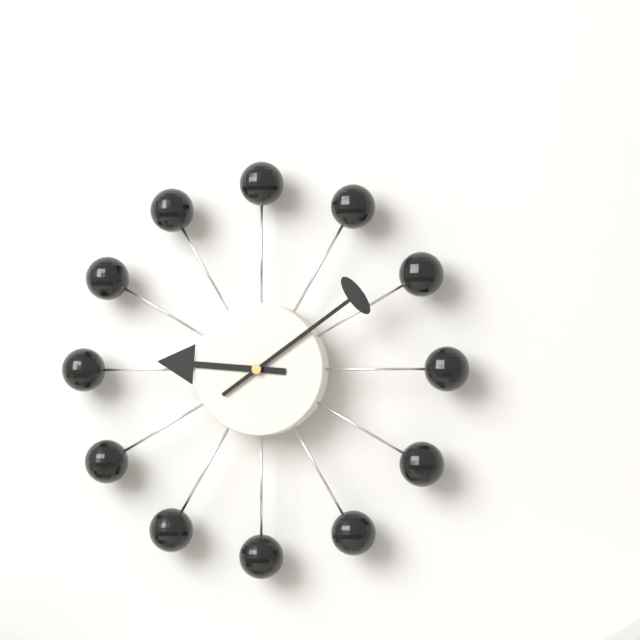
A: 9 h 09 min
